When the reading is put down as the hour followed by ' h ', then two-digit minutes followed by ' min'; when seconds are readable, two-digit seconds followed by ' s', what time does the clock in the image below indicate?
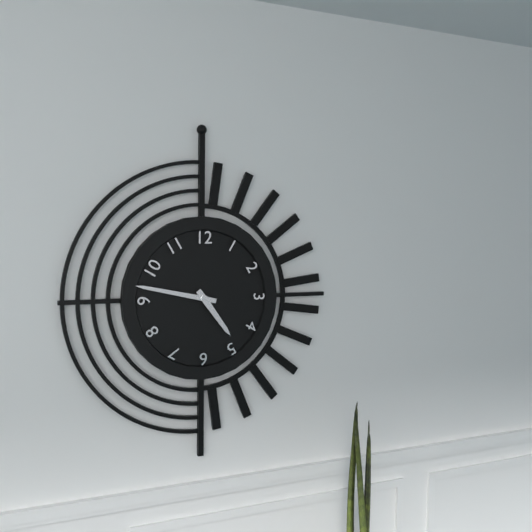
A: 4 h 47 min
